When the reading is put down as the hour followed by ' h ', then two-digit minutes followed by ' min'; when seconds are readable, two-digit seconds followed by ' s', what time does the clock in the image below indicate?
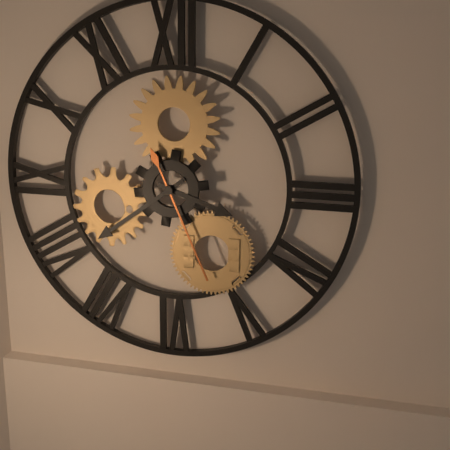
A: 3 h 39 min 26 s
